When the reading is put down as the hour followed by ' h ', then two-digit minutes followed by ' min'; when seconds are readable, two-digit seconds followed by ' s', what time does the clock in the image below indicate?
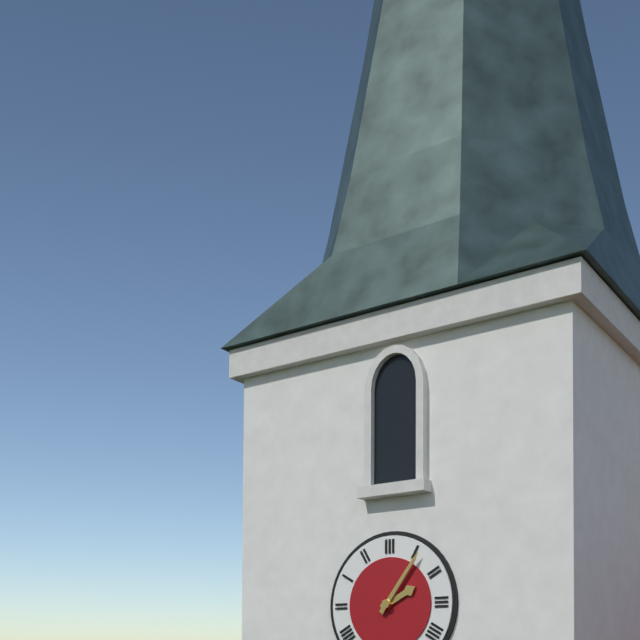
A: 2 h 06 min
